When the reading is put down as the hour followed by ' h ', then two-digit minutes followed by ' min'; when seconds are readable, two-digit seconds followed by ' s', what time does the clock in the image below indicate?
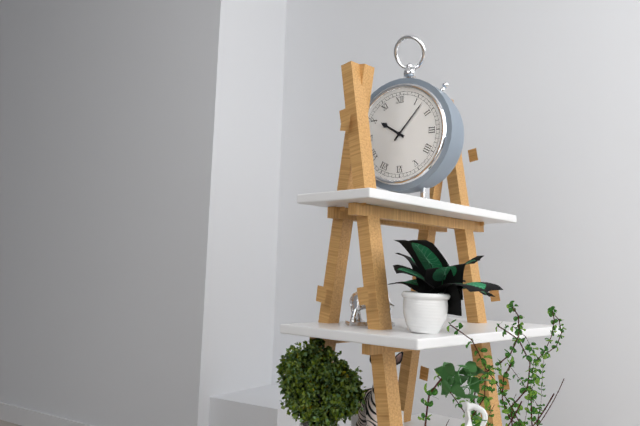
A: 10 h 07 min
